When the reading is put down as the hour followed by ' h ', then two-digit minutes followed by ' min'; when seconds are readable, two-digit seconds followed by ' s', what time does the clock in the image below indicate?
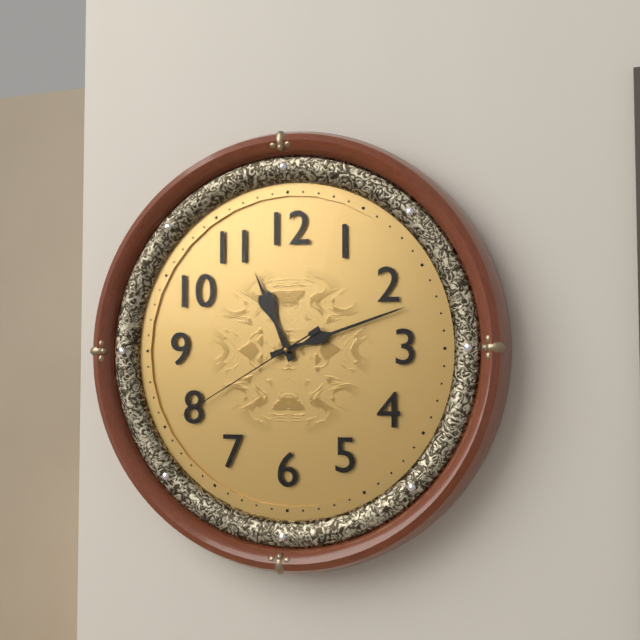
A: 11 h 12 min 40 s
